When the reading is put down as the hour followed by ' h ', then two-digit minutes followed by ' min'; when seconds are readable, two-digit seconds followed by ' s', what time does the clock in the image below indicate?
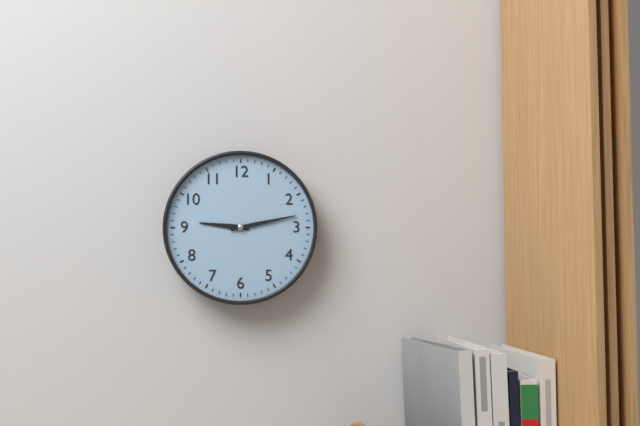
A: 9 h 13 min
